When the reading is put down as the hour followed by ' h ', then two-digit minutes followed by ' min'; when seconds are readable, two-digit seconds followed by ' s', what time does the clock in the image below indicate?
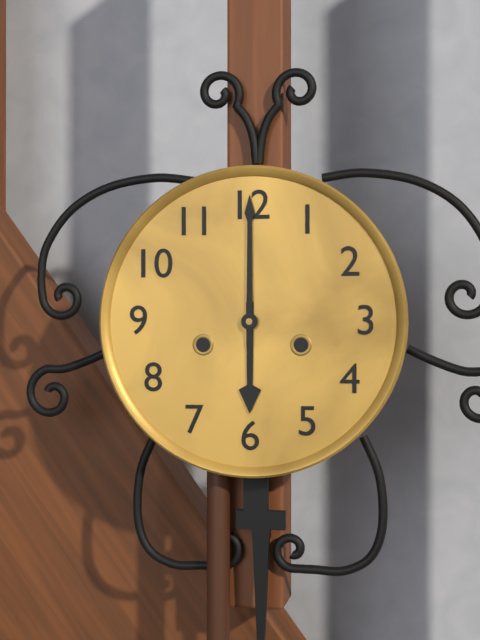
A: 6 h 00 min
